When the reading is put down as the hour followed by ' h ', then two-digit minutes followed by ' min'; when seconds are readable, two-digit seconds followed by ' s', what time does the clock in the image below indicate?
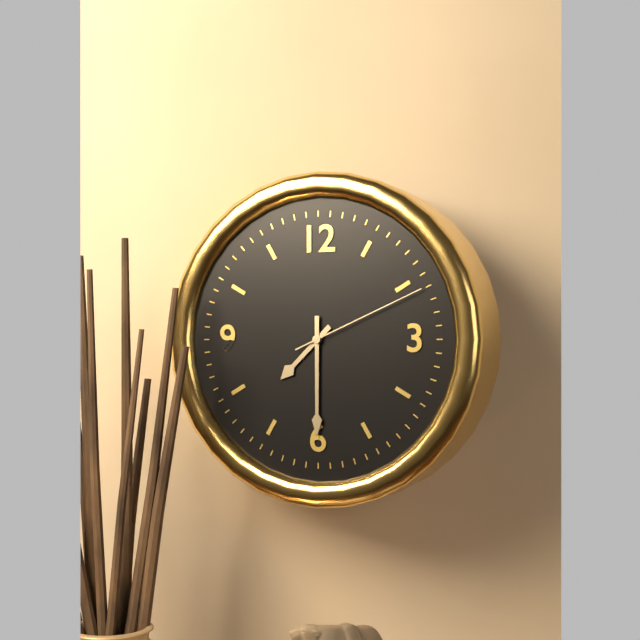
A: 7 h 30 min 11 s
